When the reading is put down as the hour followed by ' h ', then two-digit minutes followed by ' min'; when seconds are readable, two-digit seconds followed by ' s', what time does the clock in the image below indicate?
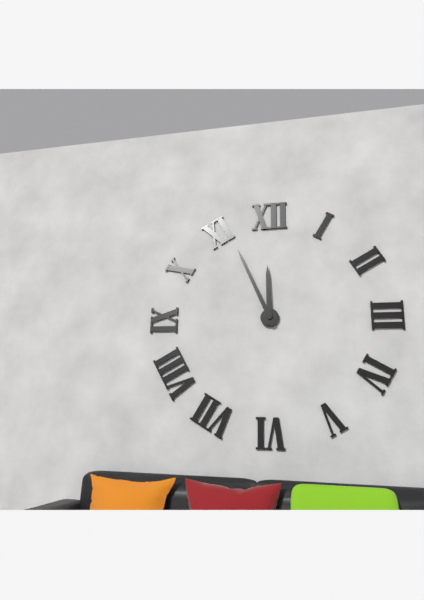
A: 11 h 56 min
